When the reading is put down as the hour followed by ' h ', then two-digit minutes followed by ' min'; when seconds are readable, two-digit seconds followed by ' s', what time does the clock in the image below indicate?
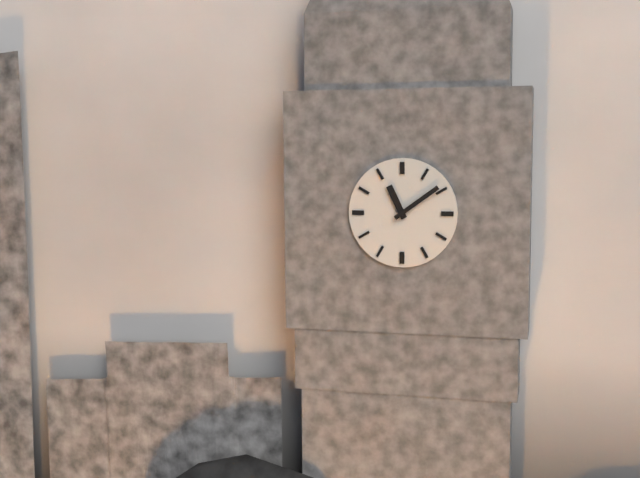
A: 11 h 09 min
